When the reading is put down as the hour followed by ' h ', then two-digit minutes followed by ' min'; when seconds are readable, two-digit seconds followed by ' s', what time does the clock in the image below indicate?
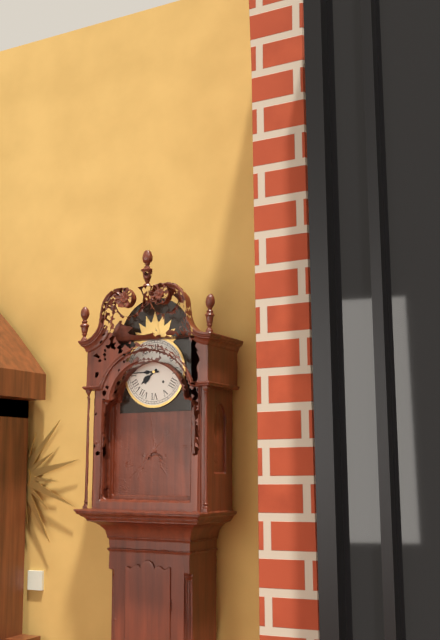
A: 7 h 45 min
